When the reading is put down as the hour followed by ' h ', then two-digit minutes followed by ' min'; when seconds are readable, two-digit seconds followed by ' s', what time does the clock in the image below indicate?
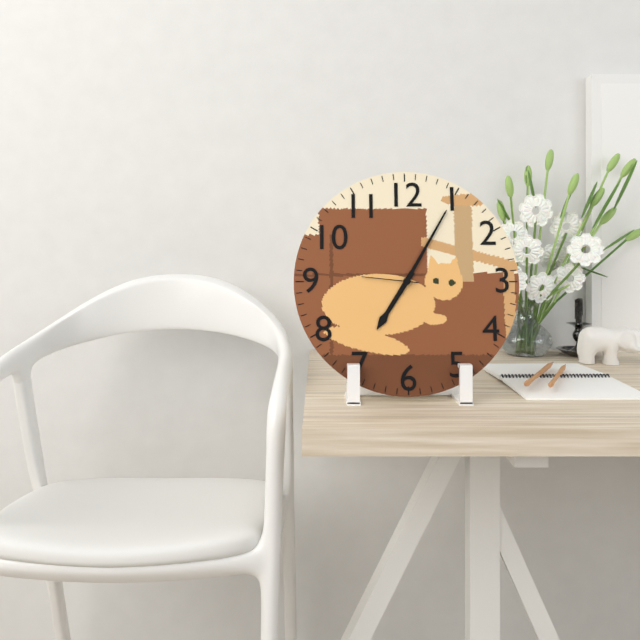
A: 7 h 05 min 46 s
